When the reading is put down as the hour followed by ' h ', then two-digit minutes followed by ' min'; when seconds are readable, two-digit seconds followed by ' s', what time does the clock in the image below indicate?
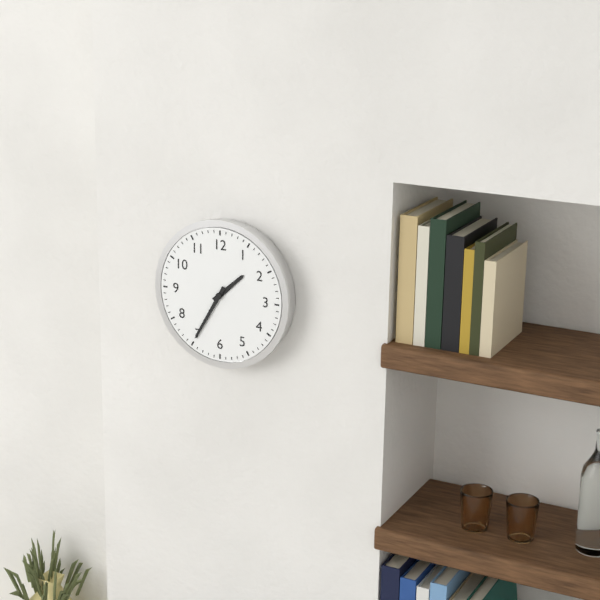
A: 1 h 35 min
